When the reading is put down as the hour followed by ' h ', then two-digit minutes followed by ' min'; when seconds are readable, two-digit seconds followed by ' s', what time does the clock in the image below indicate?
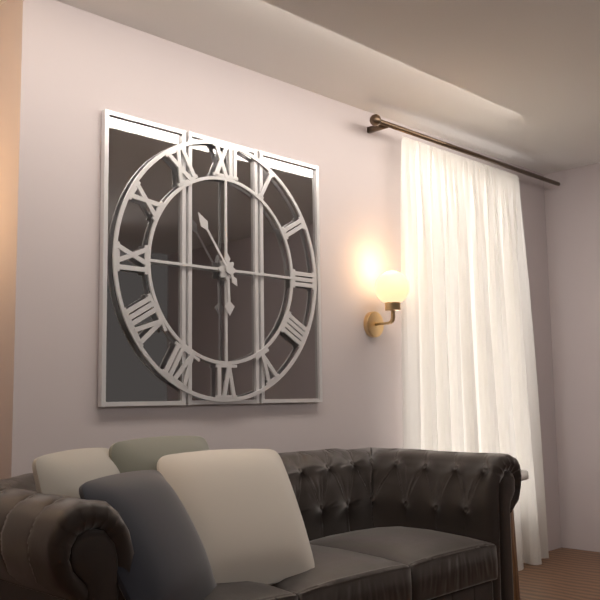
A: 5 h 54 min
